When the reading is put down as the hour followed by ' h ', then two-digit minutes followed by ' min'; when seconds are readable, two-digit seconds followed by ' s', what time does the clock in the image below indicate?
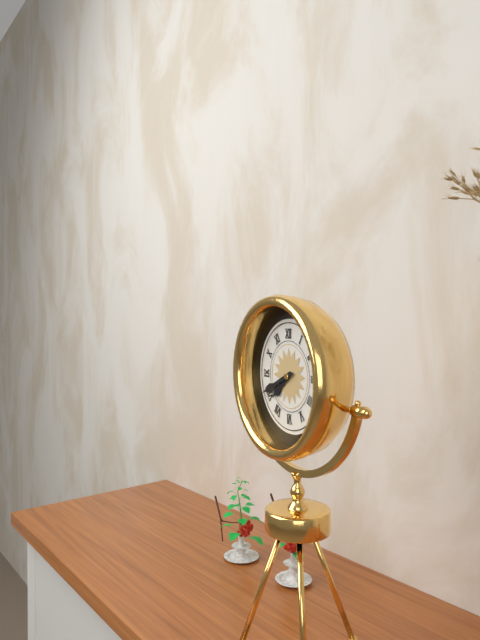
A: 7 h 41 min
